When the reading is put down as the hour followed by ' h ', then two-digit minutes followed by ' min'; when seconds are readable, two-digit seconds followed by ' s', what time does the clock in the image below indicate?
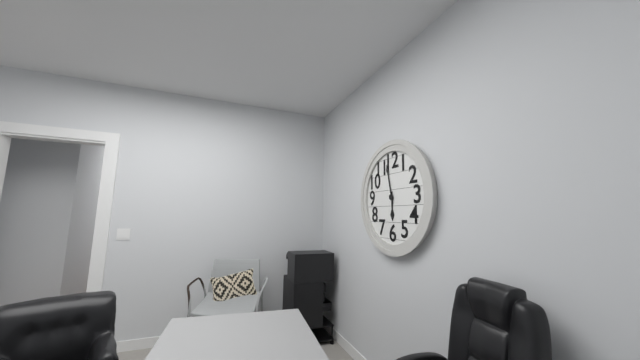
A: 5 h 58 min
